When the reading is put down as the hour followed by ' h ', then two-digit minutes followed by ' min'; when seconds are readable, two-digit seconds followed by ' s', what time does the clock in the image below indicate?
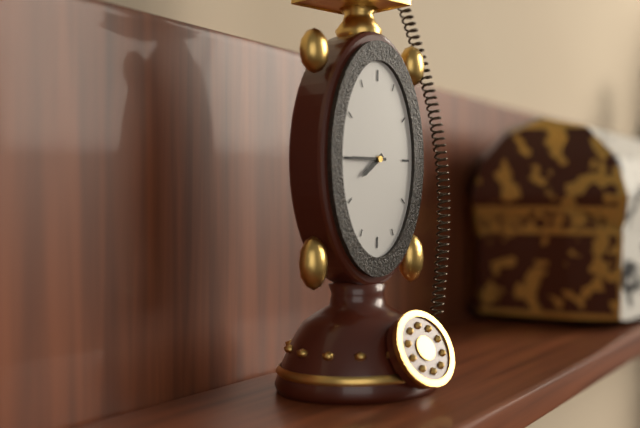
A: 7 h 45 min
